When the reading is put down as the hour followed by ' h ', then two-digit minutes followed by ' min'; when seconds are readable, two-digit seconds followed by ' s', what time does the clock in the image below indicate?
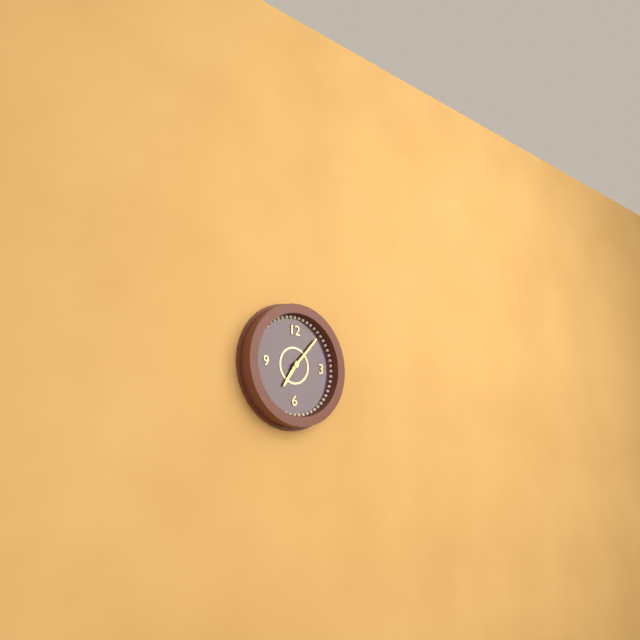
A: 7 h 07 min
